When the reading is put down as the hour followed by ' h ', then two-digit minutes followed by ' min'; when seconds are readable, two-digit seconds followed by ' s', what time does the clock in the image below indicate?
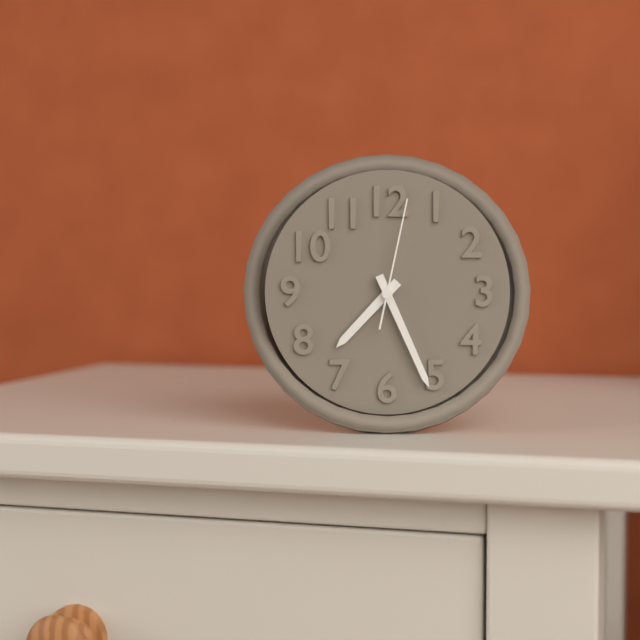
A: 7 h 26 min 02 s
